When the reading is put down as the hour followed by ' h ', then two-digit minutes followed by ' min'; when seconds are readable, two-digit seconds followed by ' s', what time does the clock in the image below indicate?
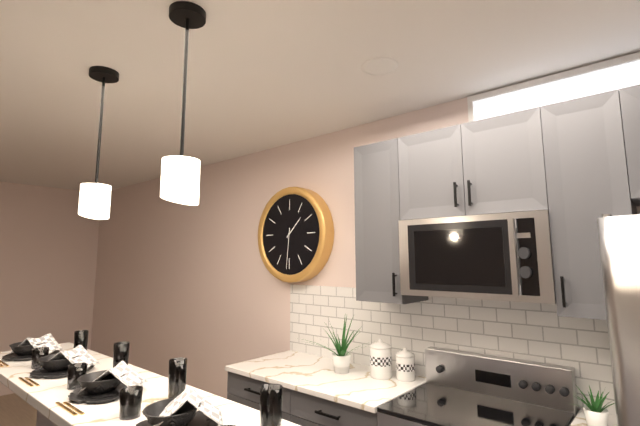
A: 1 h 31 min
